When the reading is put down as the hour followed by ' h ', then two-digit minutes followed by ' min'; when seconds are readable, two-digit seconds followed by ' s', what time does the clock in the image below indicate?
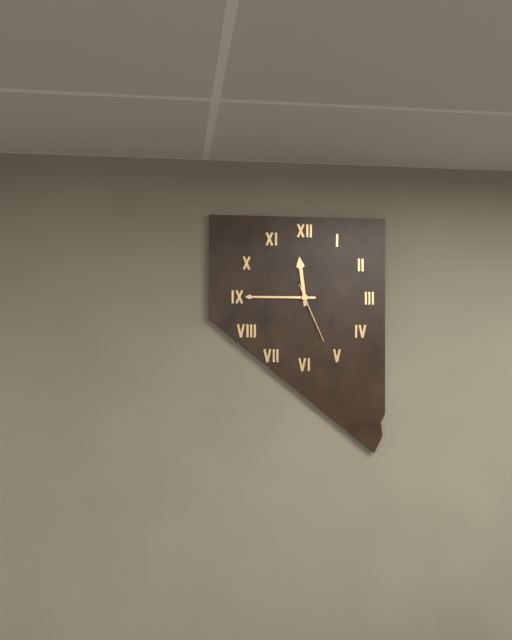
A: 11 h 45 min 26 s
